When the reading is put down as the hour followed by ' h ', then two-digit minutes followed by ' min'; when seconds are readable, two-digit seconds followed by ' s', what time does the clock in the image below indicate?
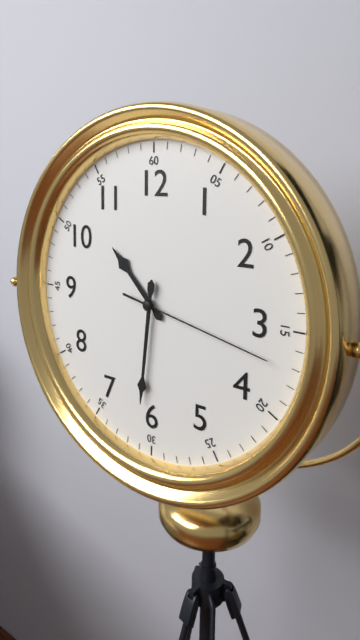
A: 10 h 31 min 17 s
